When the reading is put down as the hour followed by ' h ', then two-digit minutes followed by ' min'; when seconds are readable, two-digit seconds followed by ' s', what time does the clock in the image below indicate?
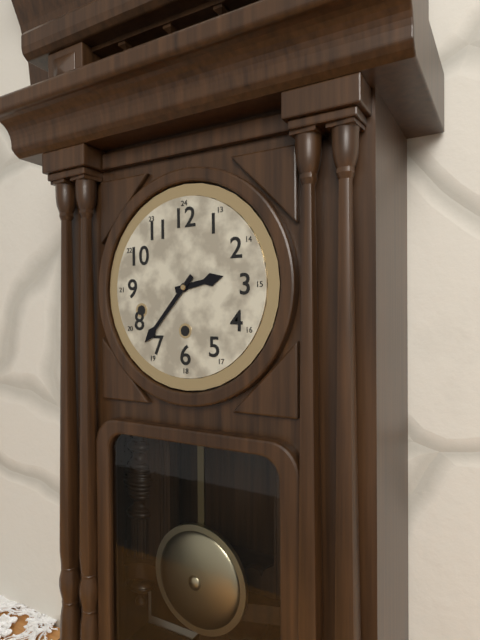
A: 2 h 37 min
